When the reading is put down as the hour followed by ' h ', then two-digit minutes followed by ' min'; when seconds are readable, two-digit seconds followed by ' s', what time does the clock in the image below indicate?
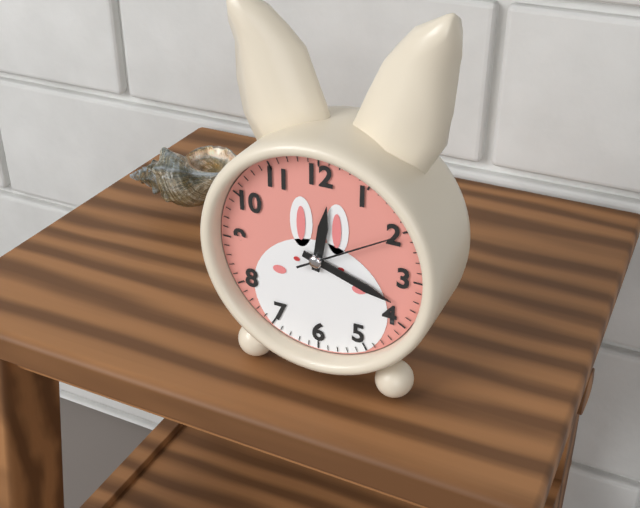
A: 12 h 18 min 10 s
